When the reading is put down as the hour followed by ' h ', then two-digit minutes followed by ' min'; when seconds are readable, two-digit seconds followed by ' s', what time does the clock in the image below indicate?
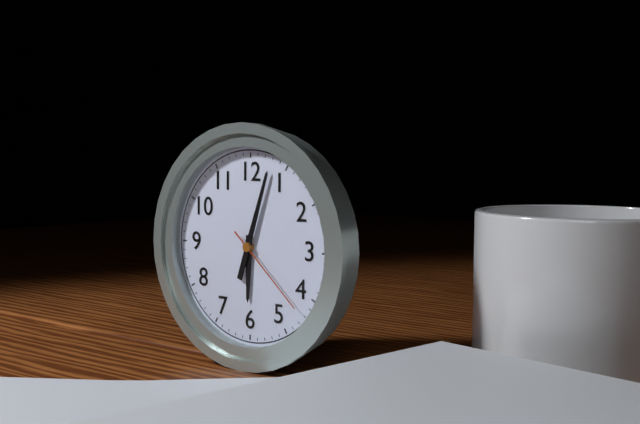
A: 6 h 03 min 22 s
